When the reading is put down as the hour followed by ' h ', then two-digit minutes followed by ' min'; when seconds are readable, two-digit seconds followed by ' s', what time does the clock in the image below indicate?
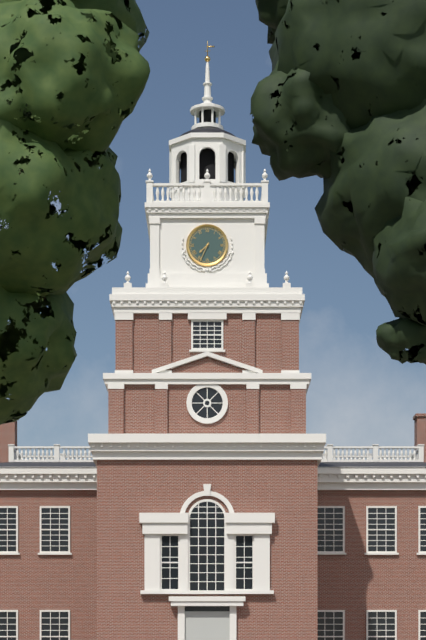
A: 7 h 34 min
